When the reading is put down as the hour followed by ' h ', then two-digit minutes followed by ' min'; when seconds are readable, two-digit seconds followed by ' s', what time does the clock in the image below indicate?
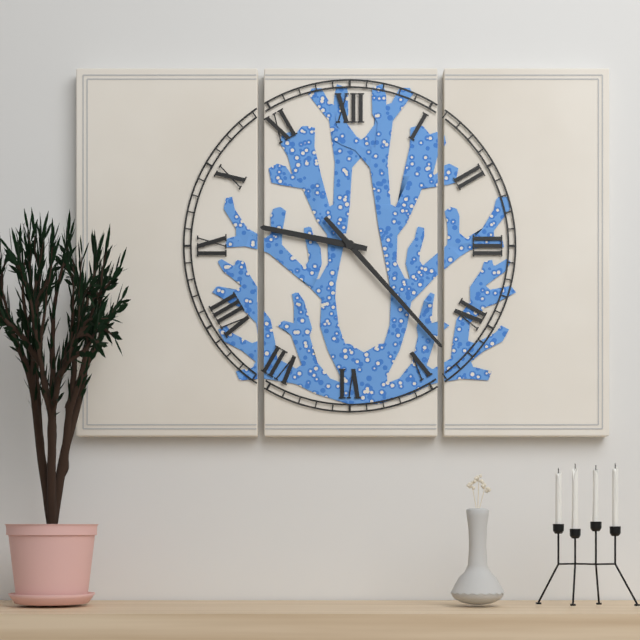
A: 9 h 23 min
